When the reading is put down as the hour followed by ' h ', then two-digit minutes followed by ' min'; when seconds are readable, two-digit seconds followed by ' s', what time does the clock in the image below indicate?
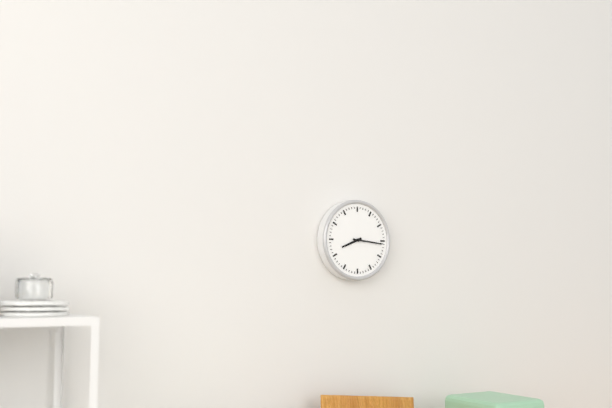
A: 8 h 16 min
